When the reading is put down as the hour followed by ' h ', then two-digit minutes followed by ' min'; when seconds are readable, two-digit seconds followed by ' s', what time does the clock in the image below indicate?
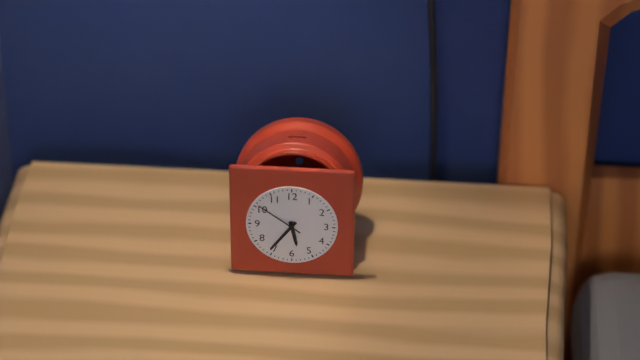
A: 5 h 36 min
